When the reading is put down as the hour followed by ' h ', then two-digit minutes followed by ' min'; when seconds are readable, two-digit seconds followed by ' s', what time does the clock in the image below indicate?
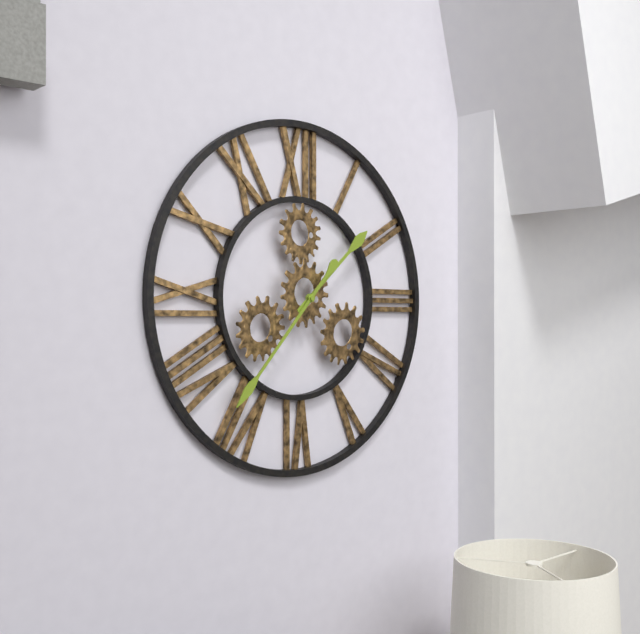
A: 1 h 37 min
